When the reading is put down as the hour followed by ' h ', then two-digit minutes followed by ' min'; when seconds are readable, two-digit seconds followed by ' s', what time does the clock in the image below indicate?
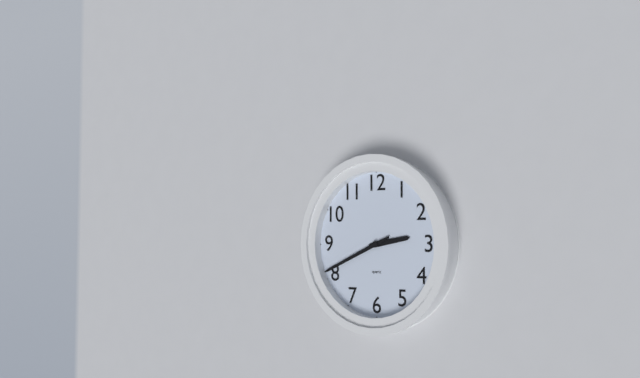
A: 2 h 41 min
